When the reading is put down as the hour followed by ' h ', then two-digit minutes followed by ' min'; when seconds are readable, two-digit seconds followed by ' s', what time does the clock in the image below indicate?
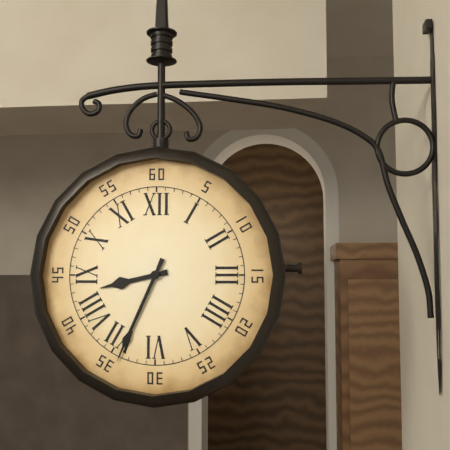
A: 8 h 34 min
